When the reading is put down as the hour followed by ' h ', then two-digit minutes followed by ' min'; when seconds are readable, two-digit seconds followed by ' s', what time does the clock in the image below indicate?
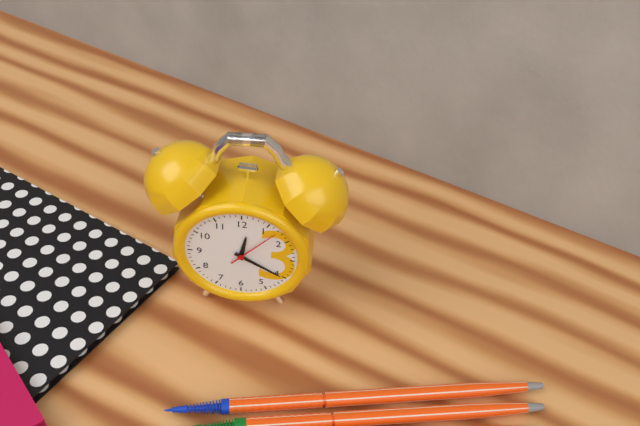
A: 12 h 20 min 07 s
